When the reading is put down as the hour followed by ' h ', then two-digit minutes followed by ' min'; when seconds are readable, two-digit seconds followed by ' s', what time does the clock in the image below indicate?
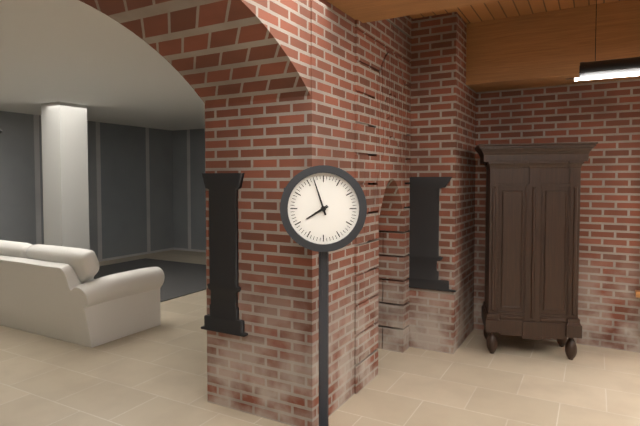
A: 7 h 57 min
